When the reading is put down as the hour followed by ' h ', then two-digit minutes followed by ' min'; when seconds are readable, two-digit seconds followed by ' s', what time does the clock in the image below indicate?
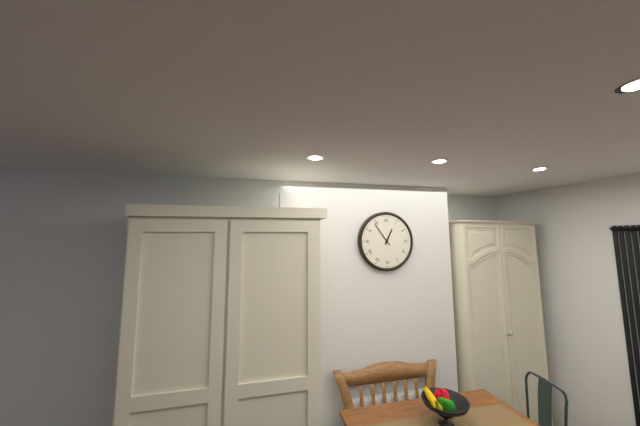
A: 12 h 54 min
